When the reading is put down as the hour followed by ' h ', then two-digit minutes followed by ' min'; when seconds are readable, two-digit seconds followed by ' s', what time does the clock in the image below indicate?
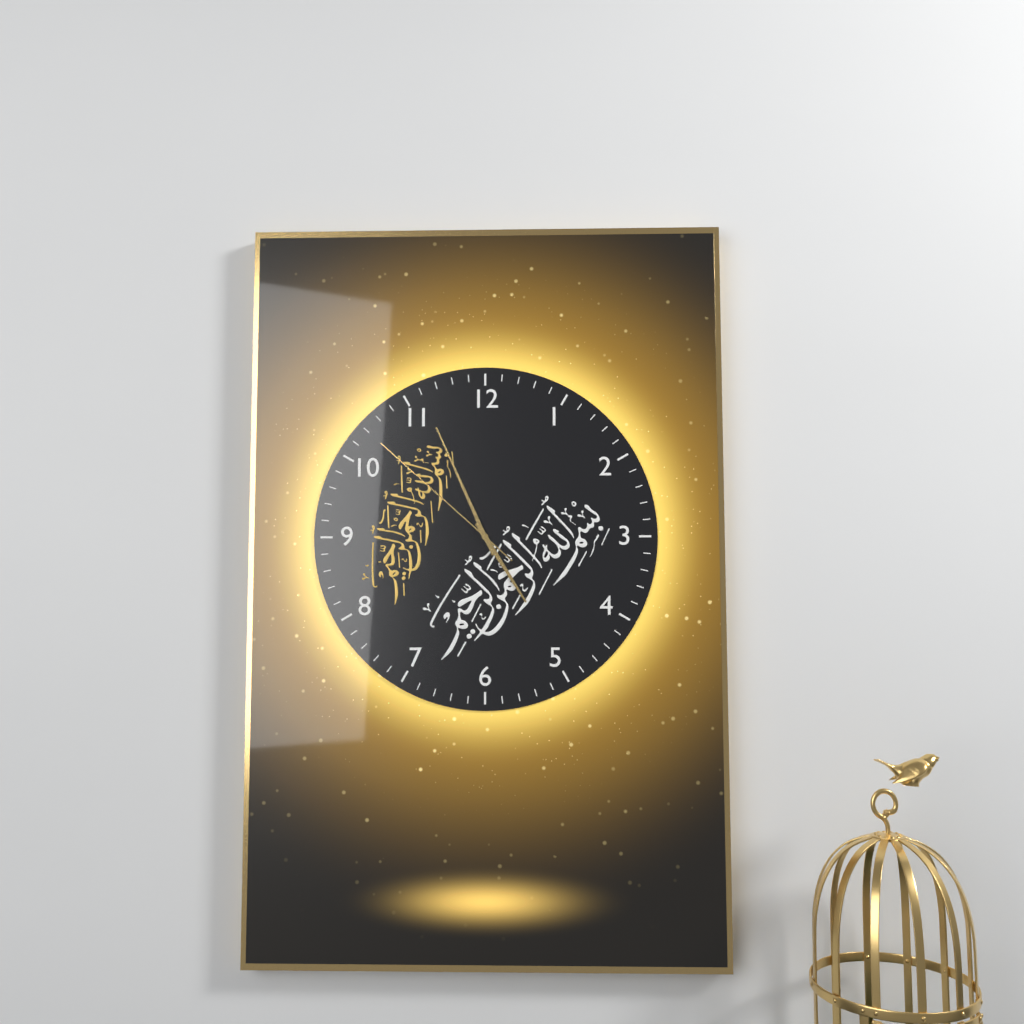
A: 4 h 56 min 52 s
